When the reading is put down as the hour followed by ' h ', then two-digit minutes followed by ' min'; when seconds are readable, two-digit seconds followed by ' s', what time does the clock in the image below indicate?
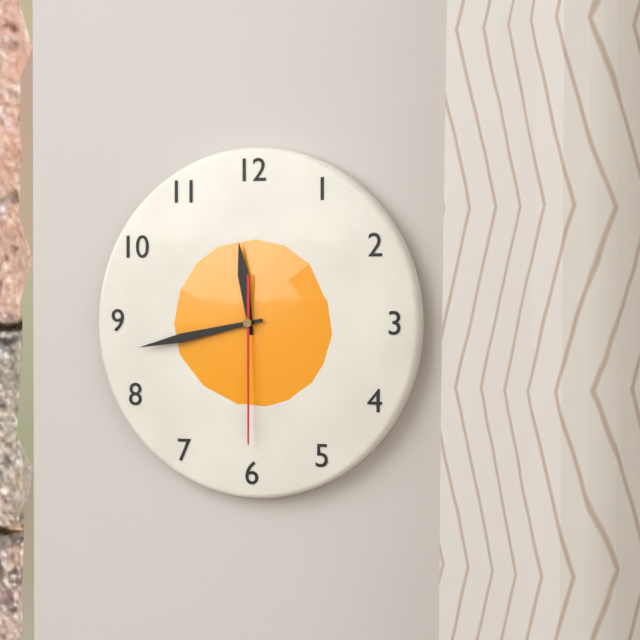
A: 11 h 43 min 30 s
